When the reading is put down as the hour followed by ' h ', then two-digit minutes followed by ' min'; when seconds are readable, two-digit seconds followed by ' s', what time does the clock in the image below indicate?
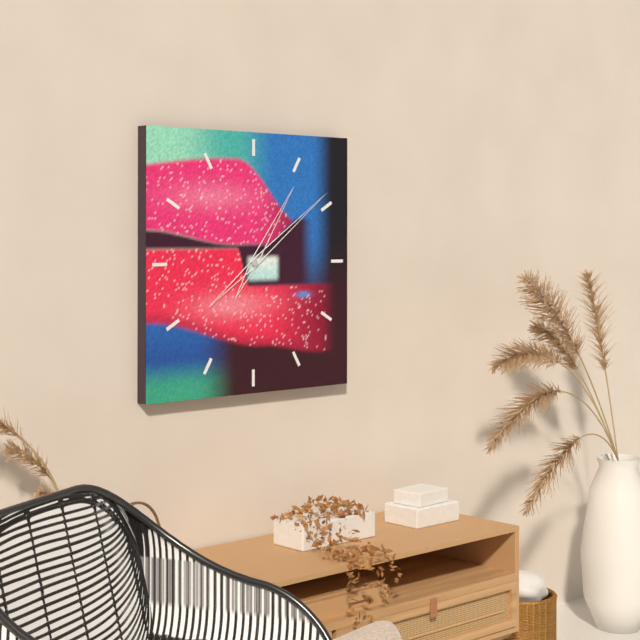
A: 1 h 09 min
